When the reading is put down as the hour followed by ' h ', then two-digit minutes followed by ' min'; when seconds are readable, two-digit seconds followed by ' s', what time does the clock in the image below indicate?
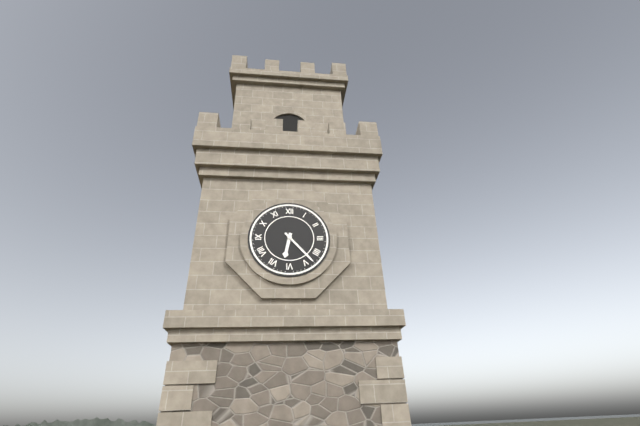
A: 6 h 23 min
